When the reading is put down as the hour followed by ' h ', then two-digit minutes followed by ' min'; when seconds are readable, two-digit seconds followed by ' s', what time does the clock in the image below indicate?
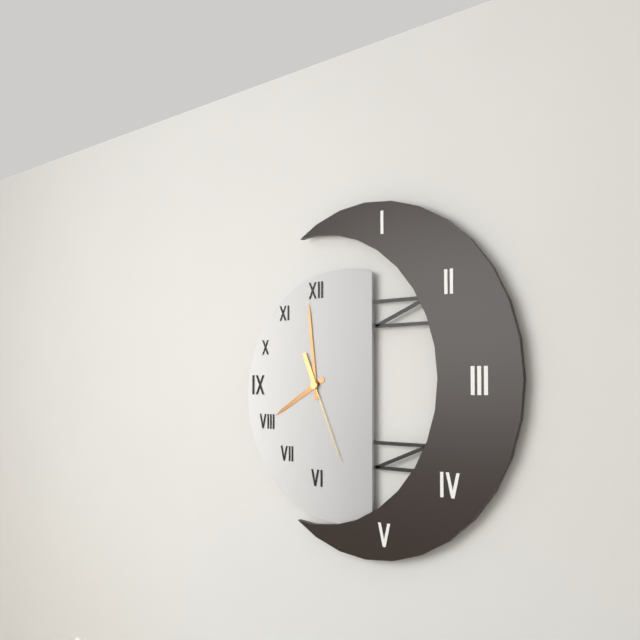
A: 7 h 59 min 26 s
